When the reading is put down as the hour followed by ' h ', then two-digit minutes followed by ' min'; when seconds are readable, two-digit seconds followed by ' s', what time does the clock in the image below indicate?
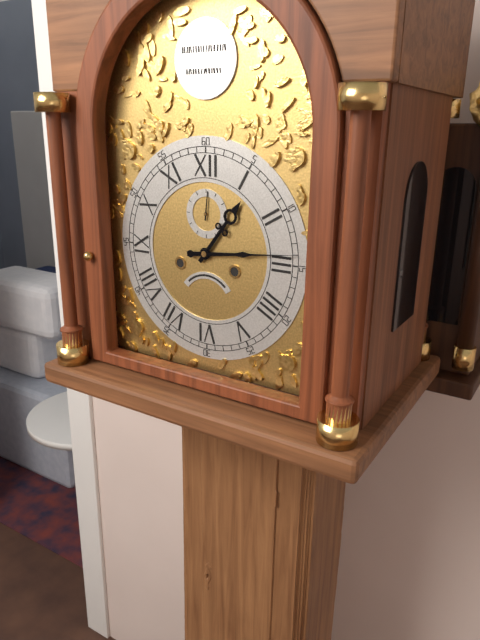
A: 1 h 14 min
